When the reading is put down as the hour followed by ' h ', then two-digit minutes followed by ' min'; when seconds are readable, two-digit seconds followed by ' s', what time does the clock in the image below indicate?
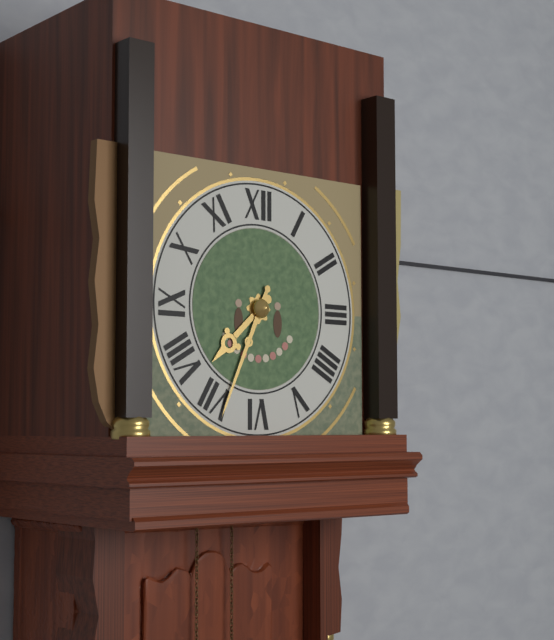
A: 7 h 34 min
